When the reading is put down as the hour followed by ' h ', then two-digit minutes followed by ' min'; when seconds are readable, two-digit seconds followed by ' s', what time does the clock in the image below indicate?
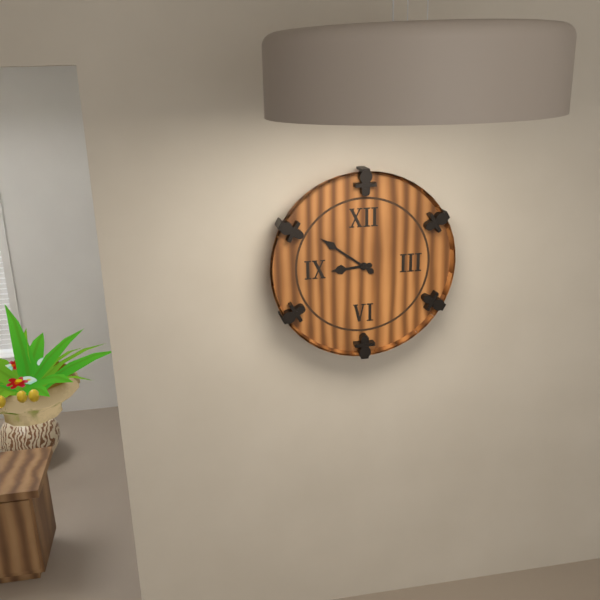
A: 8 h 51 min
